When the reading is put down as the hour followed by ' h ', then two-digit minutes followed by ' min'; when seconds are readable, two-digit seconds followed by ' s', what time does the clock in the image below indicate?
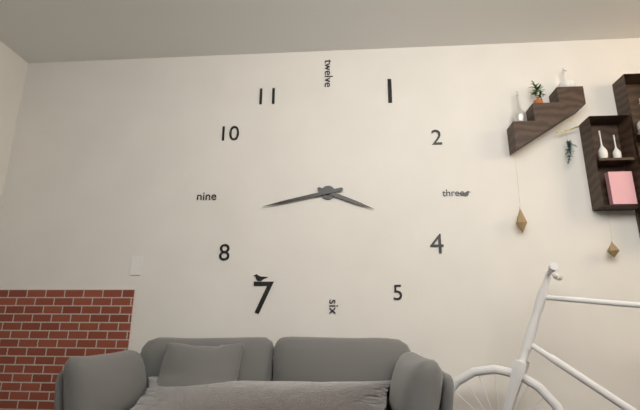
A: 3 h 43 min
